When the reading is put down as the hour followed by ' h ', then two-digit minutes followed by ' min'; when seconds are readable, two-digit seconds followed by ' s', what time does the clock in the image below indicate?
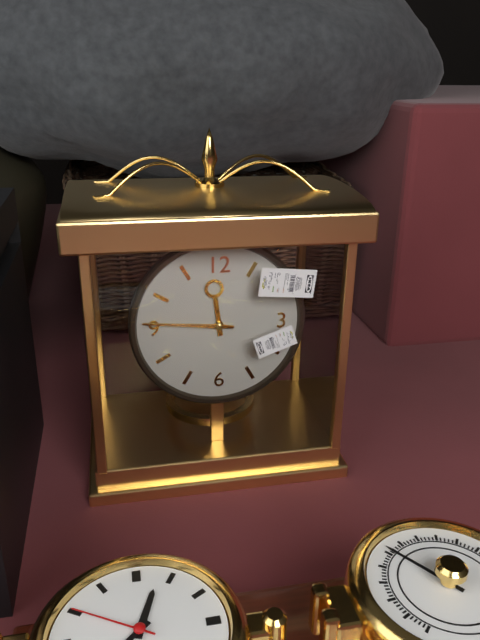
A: 11 h 46 min
